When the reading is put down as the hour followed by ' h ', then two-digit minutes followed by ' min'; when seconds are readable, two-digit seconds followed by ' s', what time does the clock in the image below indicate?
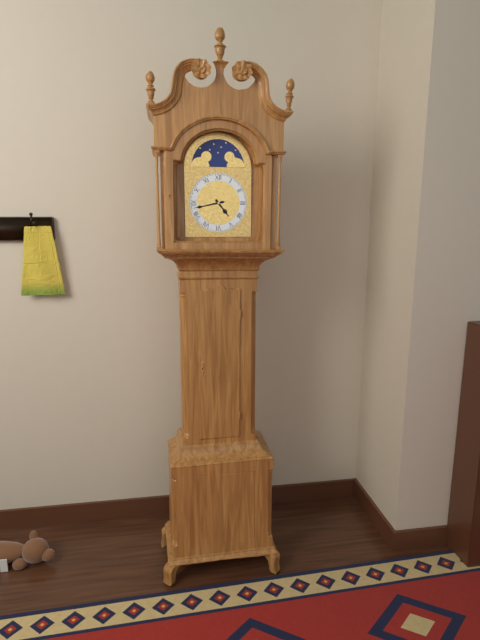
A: 4 h 43 min
